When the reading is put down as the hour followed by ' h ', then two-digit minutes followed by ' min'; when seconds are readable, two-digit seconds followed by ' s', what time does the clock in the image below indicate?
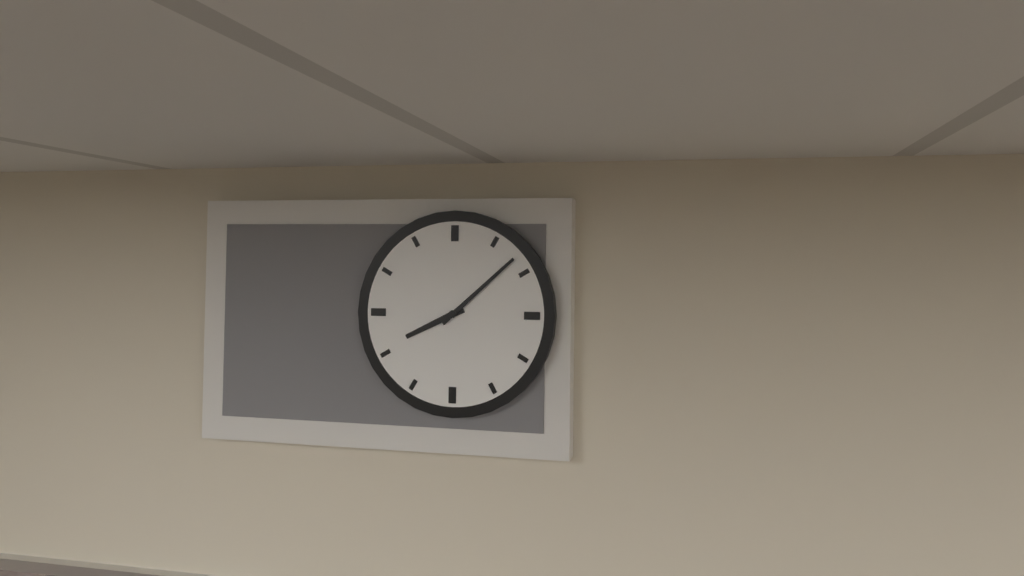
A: 8 h 08 min
